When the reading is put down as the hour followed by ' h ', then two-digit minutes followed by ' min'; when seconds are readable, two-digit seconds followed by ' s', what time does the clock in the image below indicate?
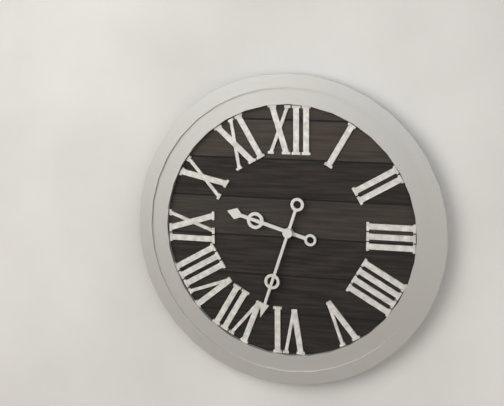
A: 9 h 33 min
